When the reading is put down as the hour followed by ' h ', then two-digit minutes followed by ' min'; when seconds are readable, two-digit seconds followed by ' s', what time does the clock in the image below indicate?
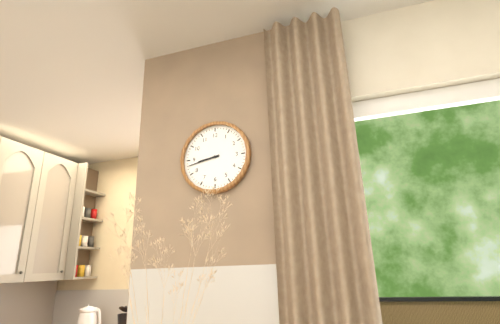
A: 8 h 43 min
